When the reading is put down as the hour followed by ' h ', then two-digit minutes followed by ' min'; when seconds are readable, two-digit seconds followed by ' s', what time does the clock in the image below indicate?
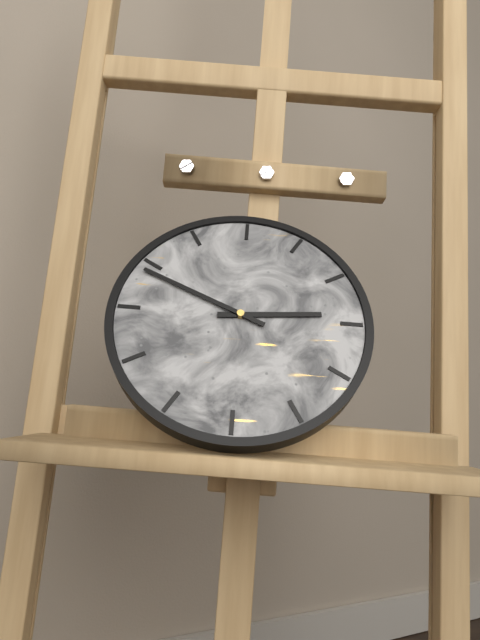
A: 2 h 49 min
